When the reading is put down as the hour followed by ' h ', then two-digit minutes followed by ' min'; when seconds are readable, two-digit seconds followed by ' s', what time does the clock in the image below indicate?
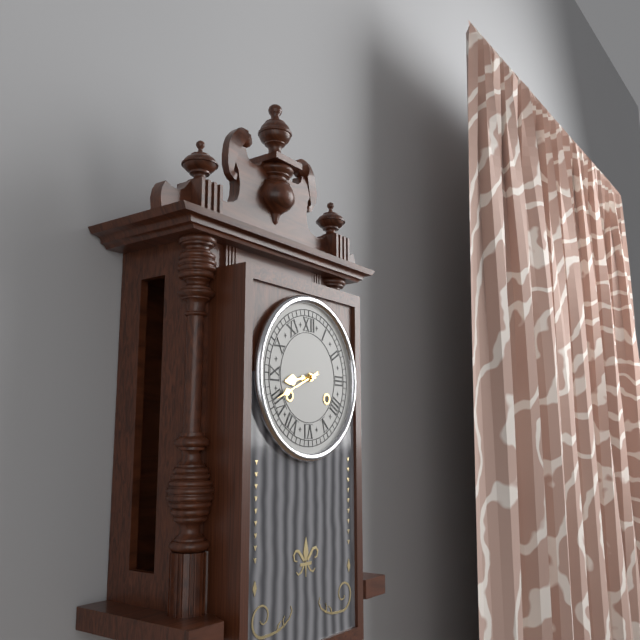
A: 8 h 41 min
